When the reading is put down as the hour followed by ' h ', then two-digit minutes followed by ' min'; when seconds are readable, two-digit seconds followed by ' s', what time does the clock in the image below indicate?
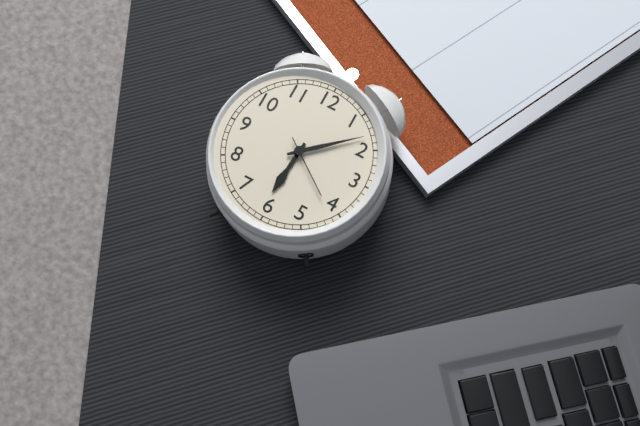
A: 6 h 08 min 21 s
